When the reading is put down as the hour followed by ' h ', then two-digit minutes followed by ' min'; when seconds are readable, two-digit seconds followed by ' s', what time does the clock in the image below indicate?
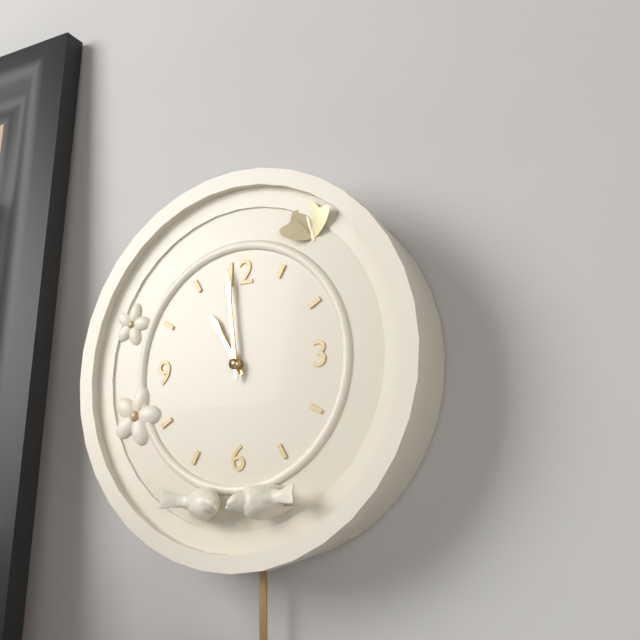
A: 10 h 59 min
